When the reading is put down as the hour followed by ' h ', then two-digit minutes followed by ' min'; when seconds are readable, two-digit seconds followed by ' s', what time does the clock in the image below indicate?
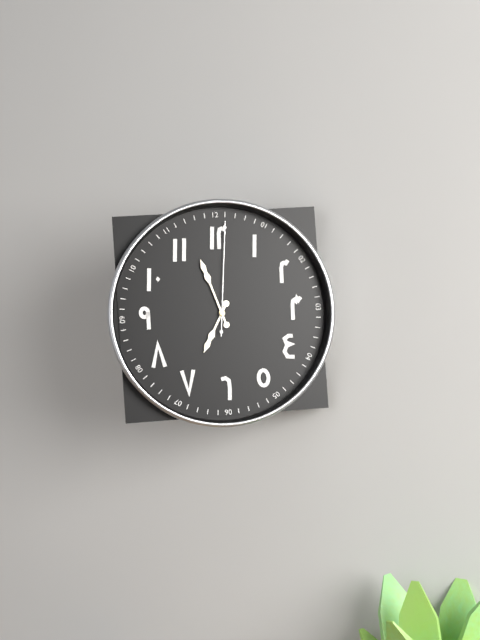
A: 6 h 57 min 01 s
